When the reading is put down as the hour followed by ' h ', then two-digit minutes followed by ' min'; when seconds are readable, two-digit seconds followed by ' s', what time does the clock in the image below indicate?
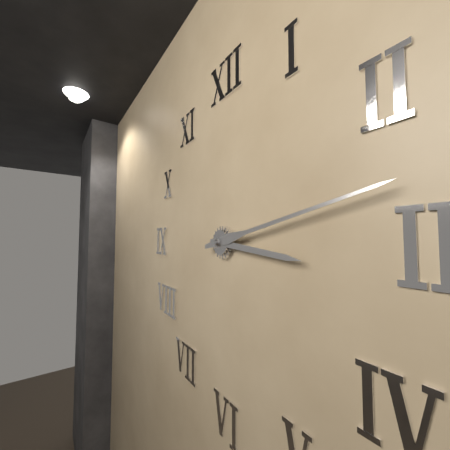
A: 3 h 13 min
